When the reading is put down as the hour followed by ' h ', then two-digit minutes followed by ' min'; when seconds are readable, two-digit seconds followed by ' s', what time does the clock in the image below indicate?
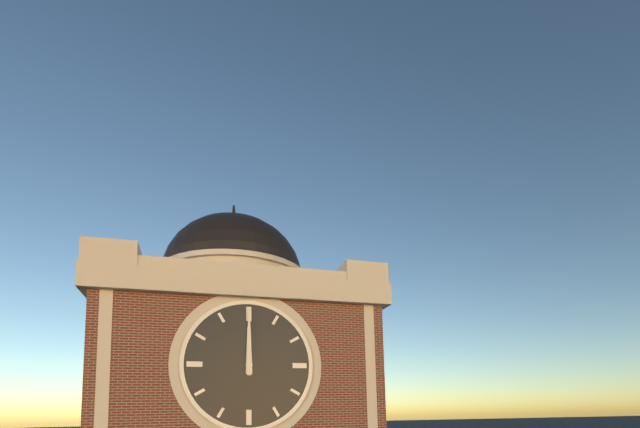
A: 12 h 00 min
